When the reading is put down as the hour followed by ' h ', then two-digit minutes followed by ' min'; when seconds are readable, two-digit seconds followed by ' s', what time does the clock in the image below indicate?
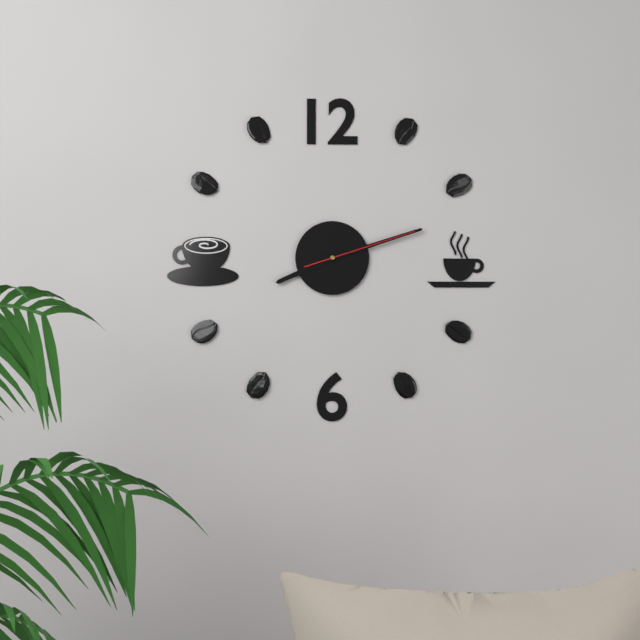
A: 8 h 12 min 12 s
